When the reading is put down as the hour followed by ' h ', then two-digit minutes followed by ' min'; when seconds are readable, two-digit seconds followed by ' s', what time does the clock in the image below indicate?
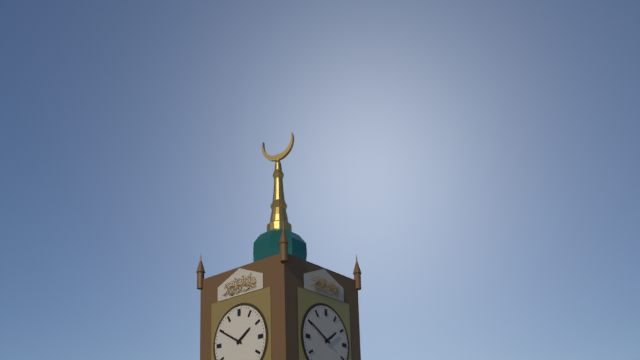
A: 1 h 50 min
